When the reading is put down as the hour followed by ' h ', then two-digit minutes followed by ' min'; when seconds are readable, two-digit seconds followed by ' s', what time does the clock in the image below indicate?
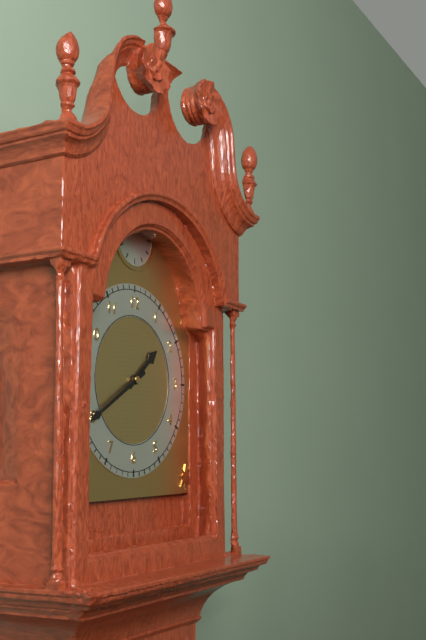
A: 1 h 40 min
